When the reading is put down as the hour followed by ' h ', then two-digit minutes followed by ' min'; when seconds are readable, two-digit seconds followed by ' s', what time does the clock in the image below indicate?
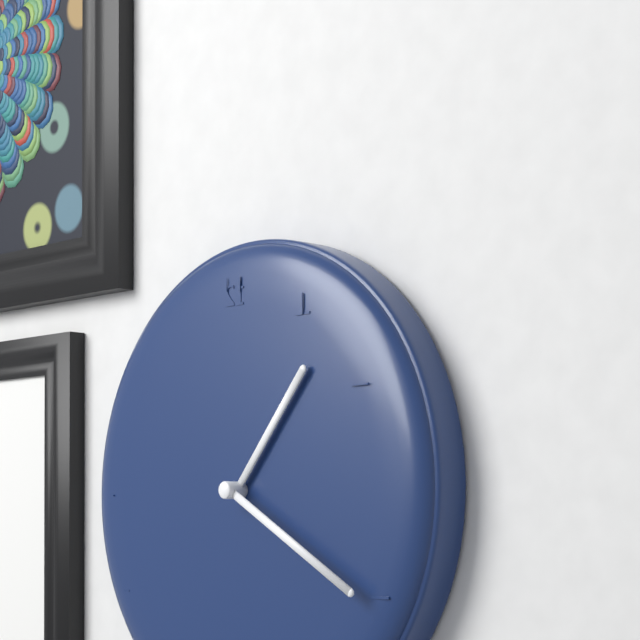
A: 1 h 20 min
